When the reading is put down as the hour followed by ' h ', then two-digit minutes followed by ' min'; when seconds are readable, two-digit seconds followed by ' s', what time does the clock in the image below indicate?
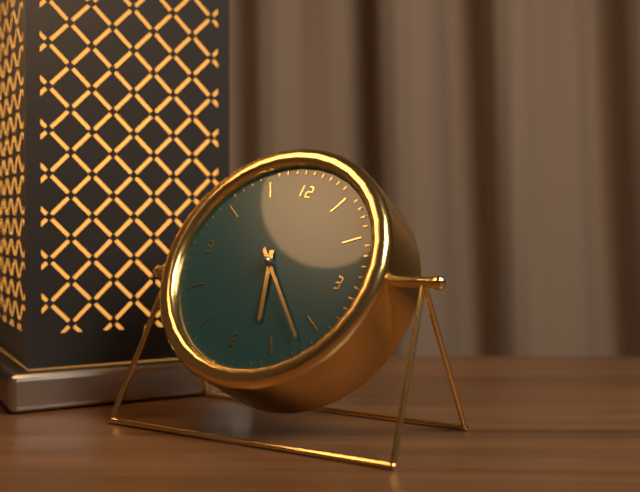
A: 5 h 22 min
